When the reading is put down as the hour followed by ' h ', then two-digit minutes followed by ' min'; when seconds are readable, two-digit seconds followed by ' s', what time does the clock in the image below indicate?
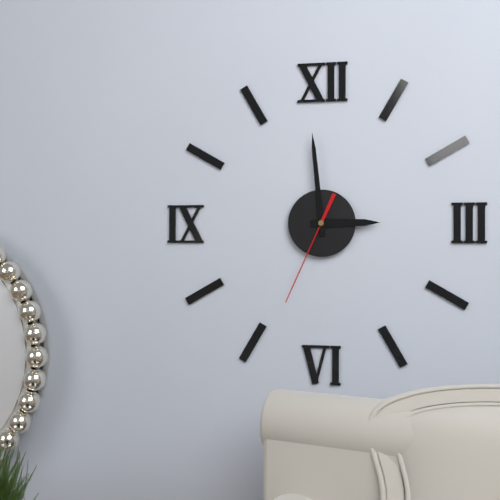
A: 2 h 59 min 34 s
